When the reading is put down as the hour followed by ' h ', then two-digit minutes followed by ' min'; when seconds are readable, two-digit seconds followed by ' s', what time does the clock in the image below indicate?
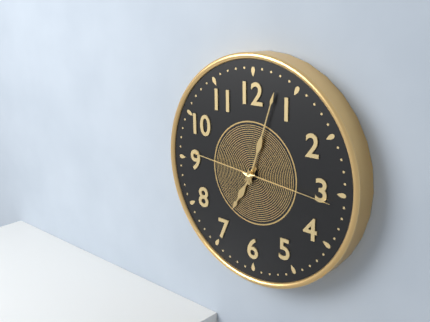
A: 7 h 03 min 16 s
